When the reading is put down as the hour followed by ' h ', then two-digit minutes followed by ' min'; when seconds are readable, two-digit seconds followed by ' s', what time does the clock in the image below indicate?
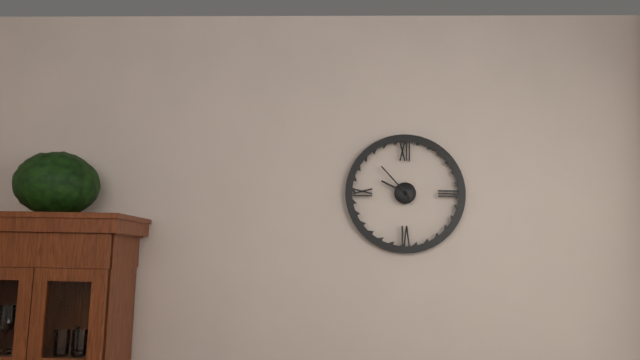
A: 9 h 53 min
